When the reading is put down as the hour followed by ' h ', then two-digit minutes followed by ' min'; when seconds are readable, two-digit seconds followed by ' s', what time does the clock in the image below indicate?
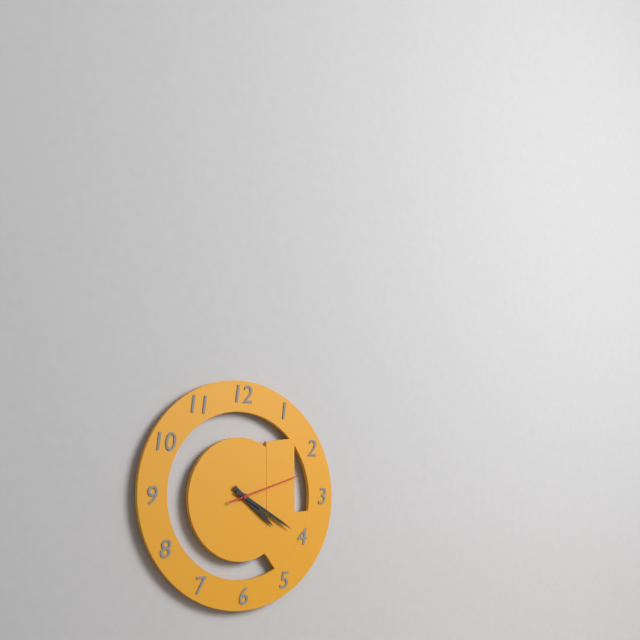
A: 4 h 20 min 12 s
